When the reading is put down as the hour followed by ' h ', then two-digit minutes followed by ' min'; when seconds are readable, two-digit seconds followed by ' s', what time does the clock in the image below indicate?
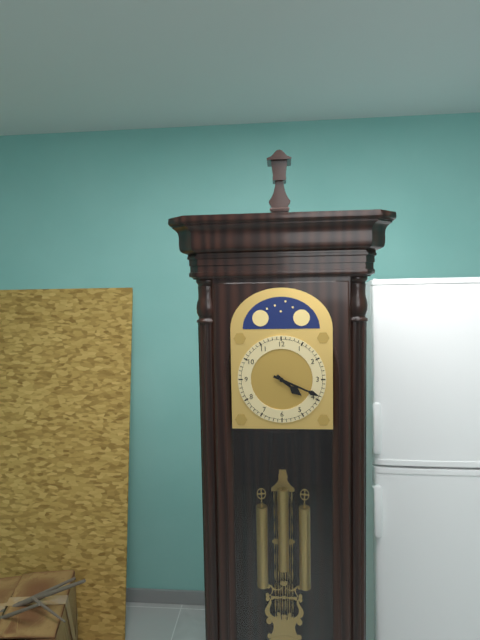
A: 4 h 19 min
